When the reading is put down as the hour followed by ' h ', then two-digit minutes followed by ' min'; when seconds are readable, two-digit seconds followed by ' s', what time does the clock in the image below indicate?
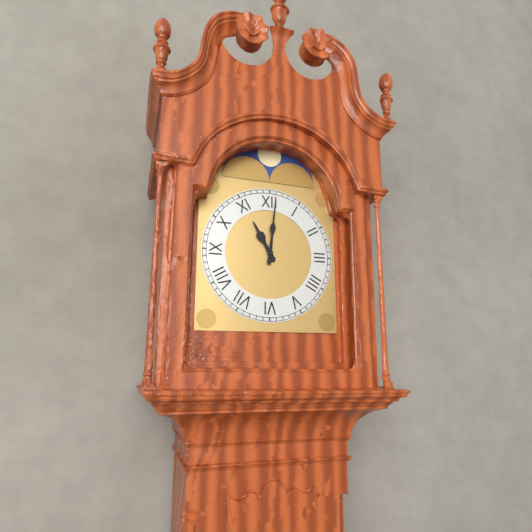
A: 11 h 01 min
